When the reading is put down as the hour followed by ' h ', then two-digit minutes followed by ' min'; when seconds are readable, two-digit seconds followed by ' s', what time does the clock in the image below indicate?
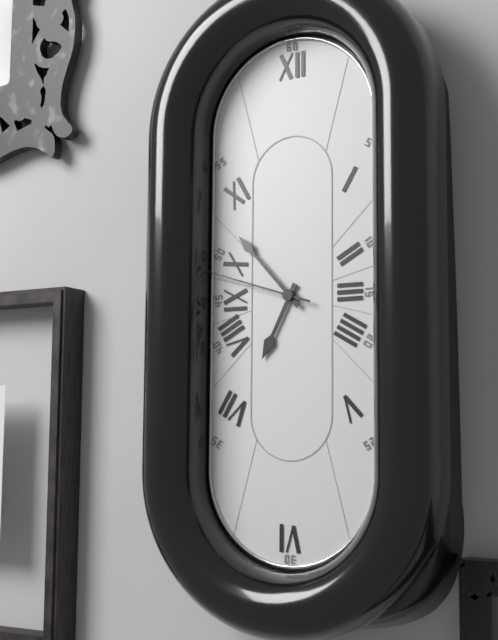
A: 6 h 53 min 48 s
